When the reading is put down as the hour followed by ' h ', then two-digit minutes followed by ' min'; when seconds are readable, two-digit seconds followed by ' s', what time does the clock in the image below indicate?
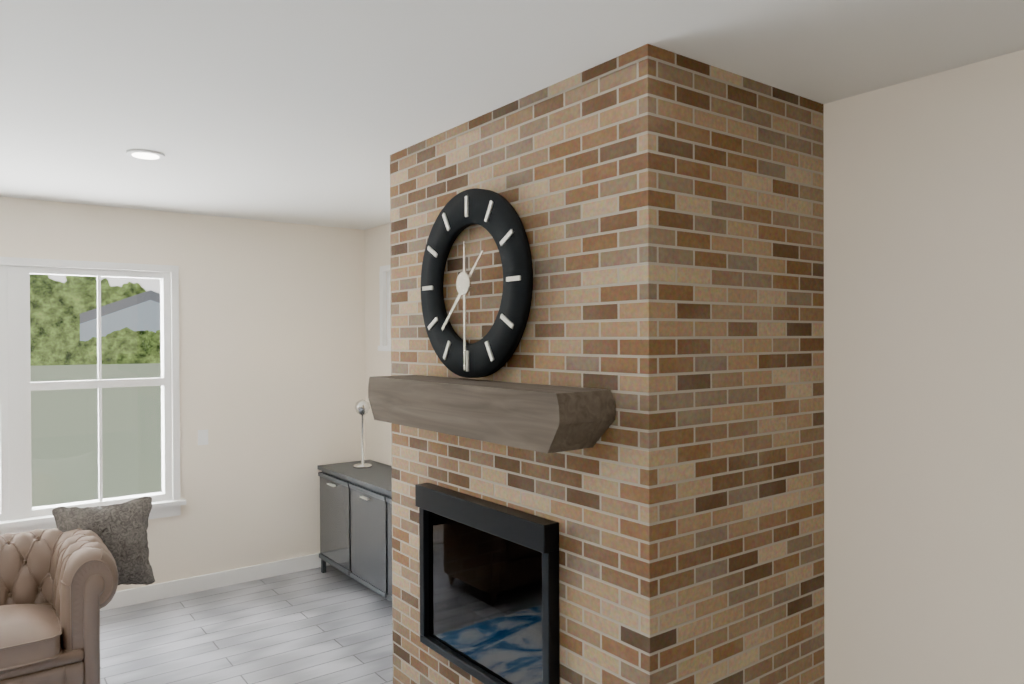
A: 7 h 30 min
